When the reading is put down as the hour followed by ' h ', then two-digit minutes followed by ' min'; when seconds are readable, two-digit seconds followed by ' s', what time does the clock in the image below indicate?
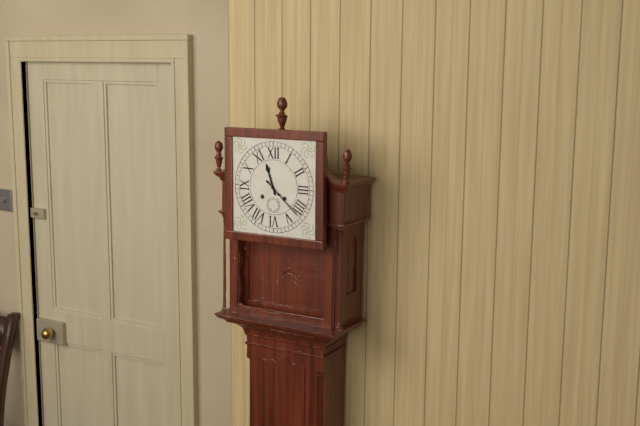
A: 11 h 22 min
